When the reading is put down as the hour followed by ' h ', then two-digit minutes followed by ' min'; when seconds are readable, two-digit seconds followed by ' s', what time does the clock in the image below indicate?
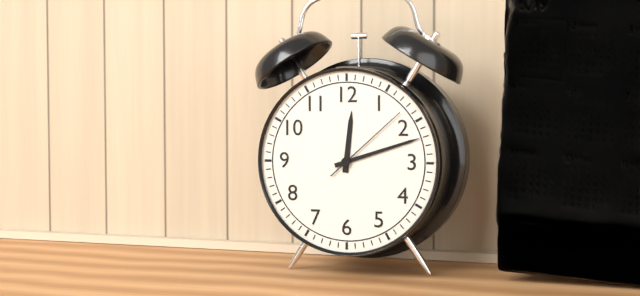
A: 12 h 12 min 08 s
